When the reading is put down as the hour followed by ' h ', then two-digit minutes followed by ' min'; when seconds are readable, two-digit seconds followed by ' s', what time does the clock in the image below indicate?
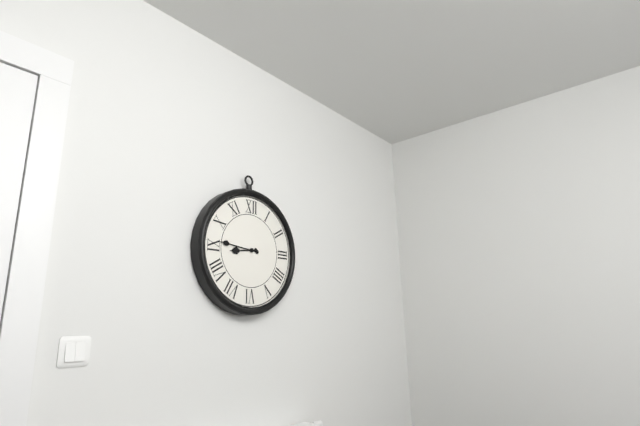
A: 8 h 46 min
